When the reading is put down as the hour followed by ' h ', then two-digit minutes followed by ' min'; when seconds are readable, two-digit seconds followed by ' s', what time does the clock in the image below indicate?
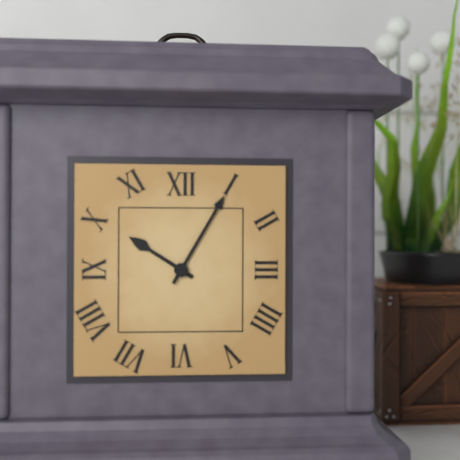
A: 10 h 05 min
